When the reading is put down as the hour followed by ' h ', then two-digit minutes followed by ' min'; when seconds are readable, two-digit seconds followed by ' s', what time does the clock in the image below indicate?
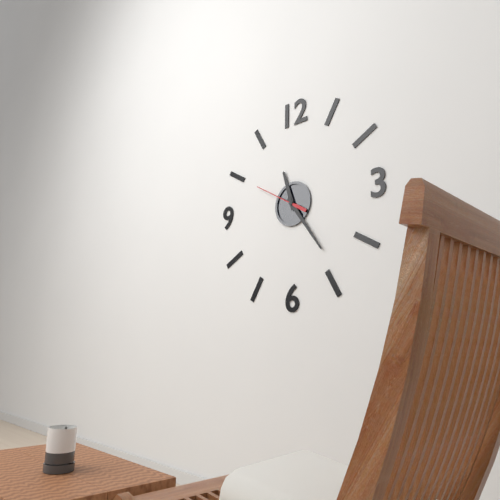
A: 11 h 24 min 50 s
